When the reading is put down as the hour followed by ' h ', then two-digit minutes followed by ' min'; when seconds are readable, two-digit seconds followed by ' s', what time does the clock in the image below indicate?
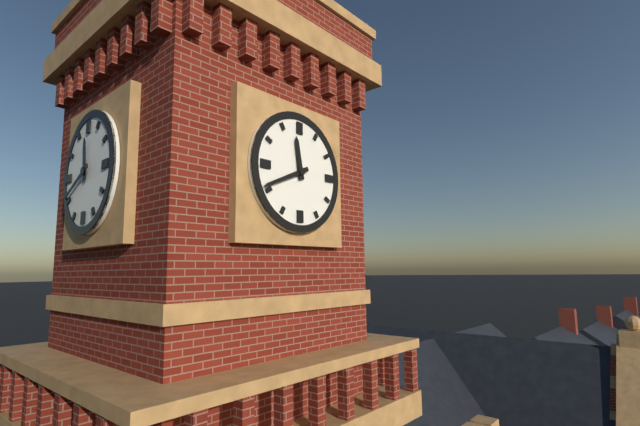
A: 11 h 41 min
